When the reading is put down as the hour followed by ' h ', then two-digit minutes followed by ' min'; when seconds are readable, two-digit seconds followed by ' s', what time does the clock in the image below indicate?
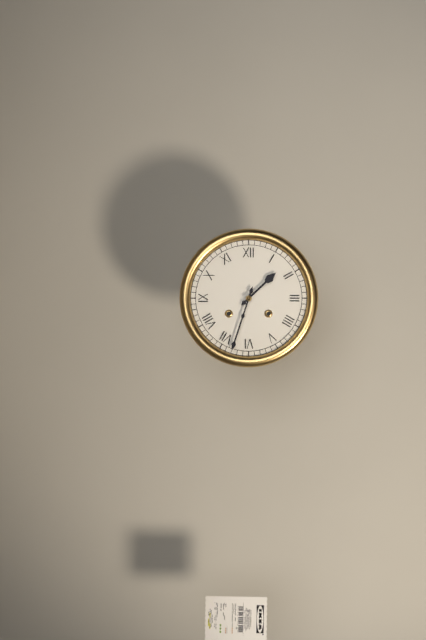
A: 1 h 33 min
